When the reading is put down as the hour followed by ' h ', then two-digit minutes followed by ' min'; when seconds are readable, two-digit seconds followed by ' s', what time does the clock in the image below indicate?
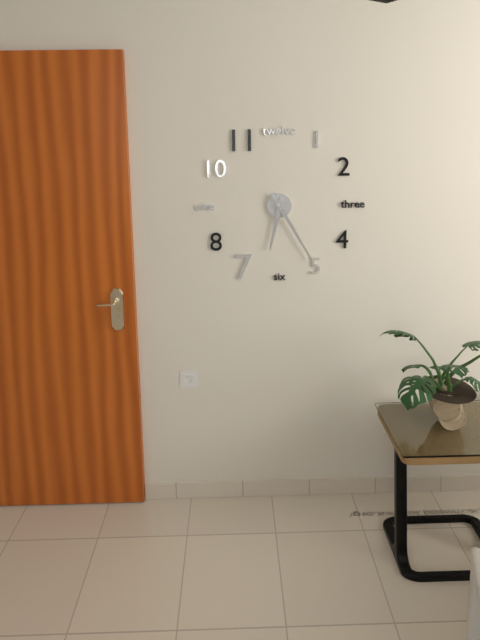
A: 6 h 25 min
